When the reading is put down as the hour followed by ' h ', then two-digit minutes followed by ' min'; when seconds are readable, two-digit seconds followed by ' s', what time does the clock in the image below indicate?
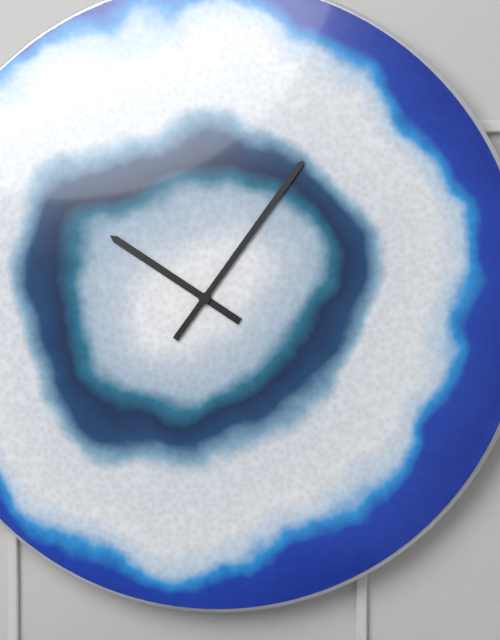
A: 10 h 06 min
